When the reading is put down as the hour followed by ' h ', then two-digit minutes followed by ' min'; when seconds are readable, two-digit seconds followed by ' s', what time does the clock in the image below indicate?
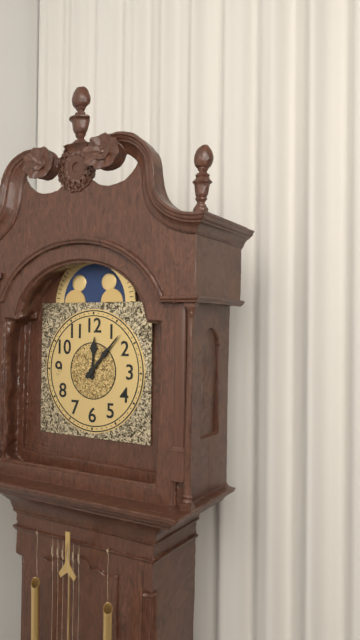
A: 12 h 07 min
